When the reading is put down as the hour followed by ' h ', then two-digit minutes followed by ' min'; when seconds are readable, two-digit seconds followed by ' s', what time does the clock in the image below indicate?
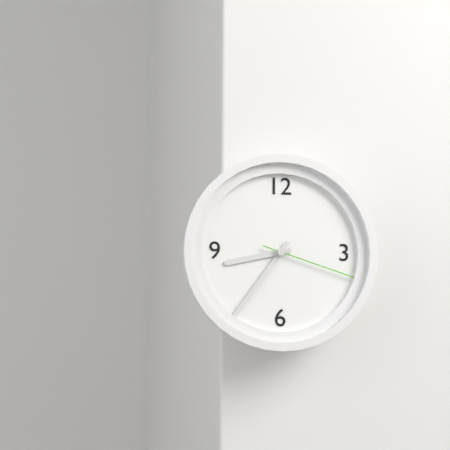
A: 8 h 36 min 18 s
